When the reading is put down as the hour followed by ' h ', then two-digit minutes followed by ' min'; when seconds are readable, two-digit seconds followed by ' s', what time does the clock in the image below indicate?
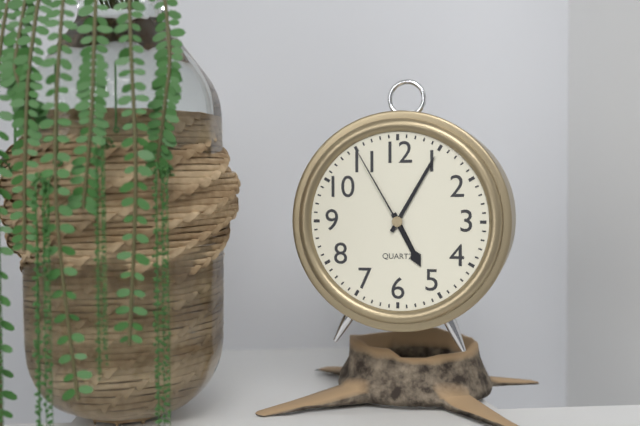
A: 5 h 05 min 55 s
